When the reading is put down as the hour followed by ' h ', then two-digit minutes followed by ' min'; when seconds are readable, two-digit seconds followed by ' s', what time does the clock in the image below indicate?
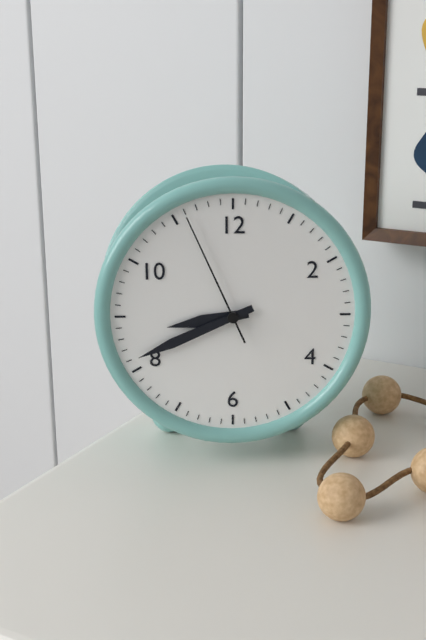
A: 8 h 41 min 56 s
